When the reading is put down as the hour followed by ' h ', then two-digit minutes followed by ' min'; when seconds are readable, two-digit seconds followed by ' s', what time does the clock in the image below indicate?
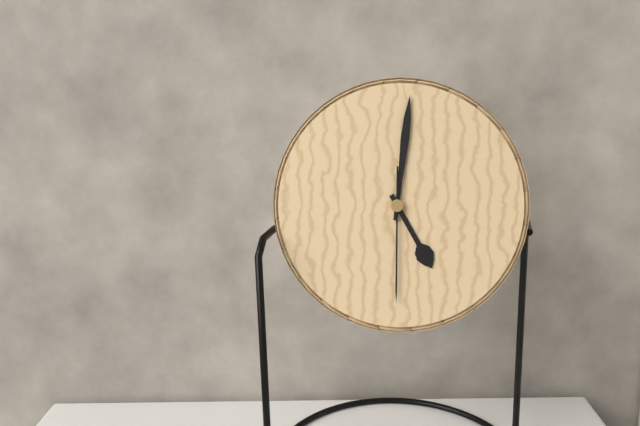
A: 5 h 01 min 30 s
